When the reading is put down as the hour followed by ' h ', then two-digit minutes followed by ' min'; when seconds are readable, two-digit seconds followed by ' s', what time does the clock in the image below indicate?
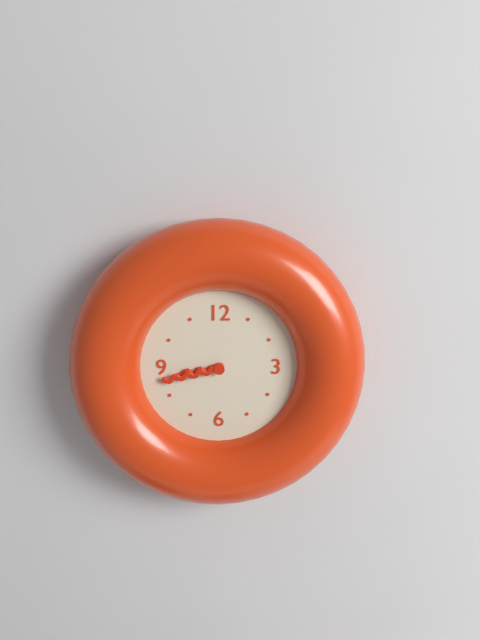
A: 8 h 43 min
